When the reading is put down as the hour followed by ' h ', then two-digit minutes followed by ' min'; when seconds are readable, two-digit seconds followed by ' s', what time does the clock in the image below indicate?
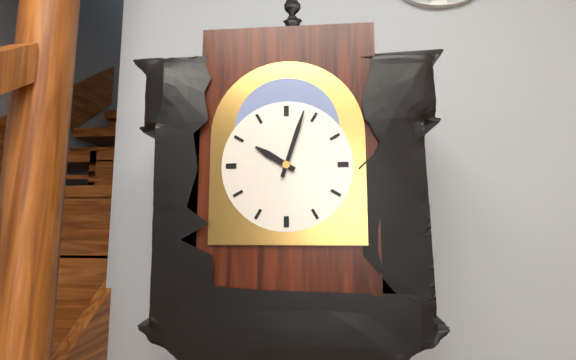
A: 10 h 03 min
